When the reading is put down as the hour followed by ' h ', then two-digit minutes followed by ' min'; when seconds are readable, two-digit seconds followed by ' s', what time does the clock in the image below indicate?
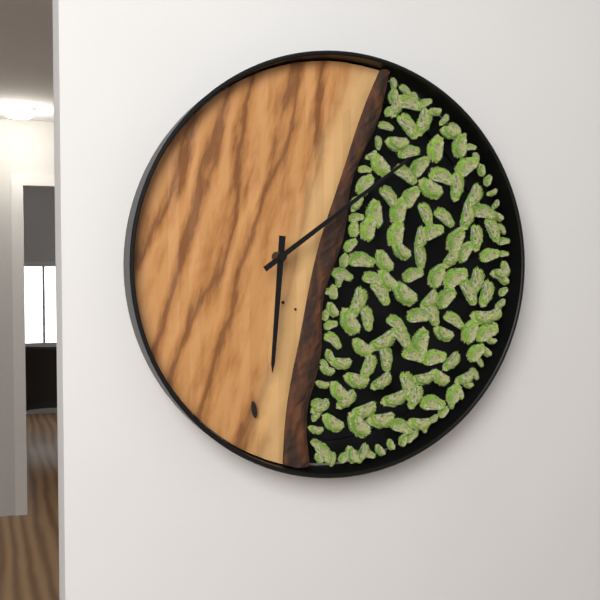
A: 6 h 09 min
